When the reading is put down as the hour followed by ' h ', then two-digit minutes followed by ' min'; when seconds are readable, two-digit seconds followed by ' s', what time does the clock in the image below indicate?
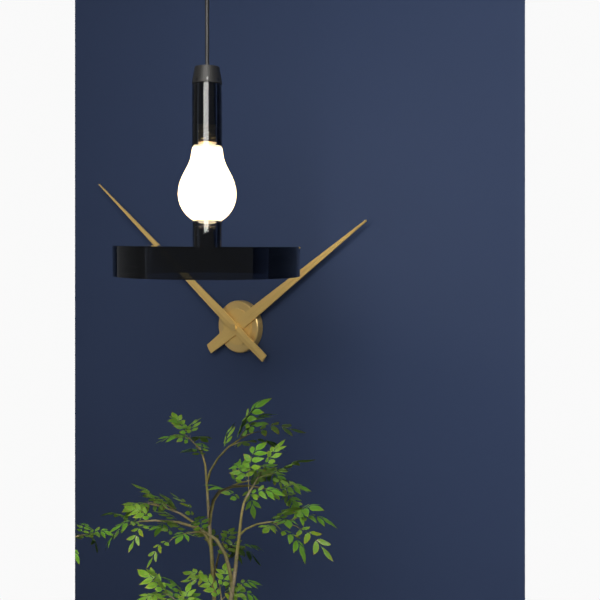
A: 1 h 51 min
